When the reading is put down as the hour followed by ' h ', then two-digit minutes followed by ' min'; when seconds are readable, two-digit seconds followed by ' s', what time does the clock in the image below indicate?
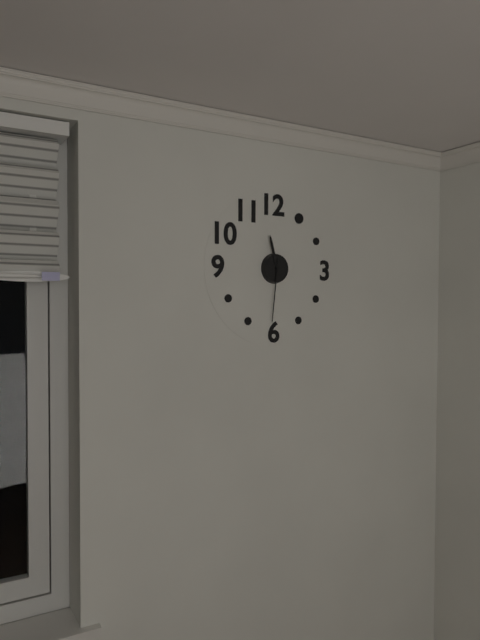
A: 11 h 31 min
